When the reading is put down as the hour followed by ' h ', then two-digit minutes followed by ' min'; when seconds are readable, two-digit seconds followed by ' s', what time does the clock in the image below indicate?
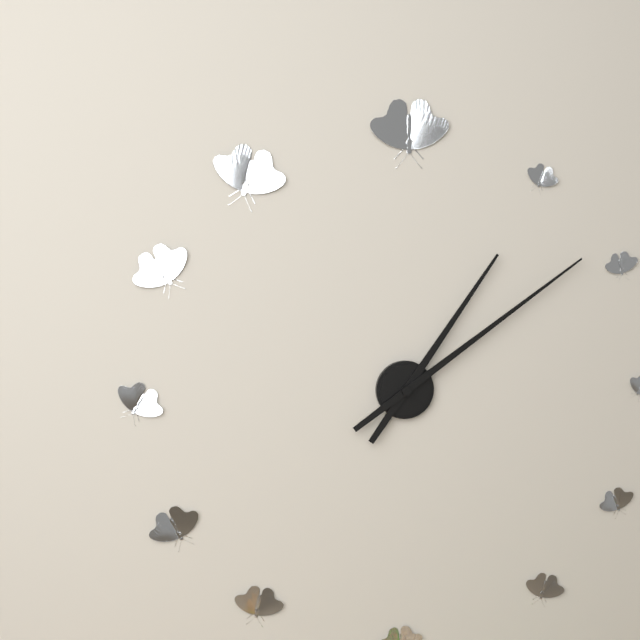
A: 1 h 09 min
